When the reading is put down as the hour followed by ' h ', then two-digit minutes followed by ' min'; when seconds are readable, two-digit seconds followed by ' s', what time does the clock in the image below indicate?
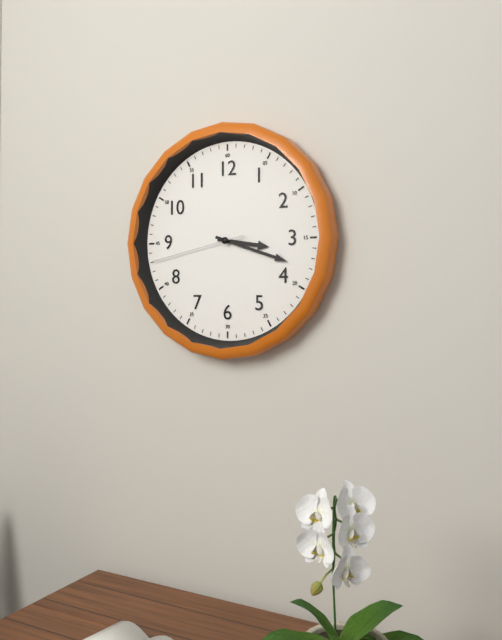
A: 3 h 18 min 43 s
